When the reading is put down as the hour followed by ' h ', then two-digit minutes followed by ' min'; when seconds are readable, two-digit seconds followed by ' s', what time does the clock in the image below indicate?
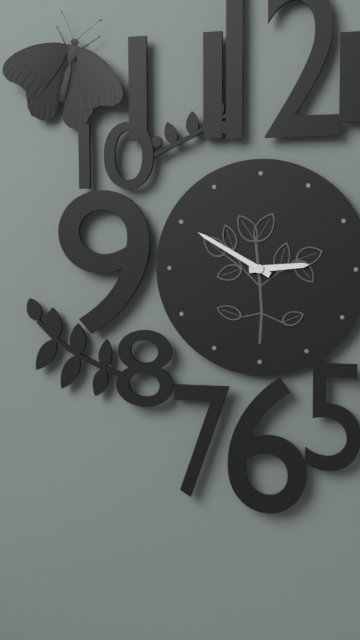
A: 2 h 50 min
